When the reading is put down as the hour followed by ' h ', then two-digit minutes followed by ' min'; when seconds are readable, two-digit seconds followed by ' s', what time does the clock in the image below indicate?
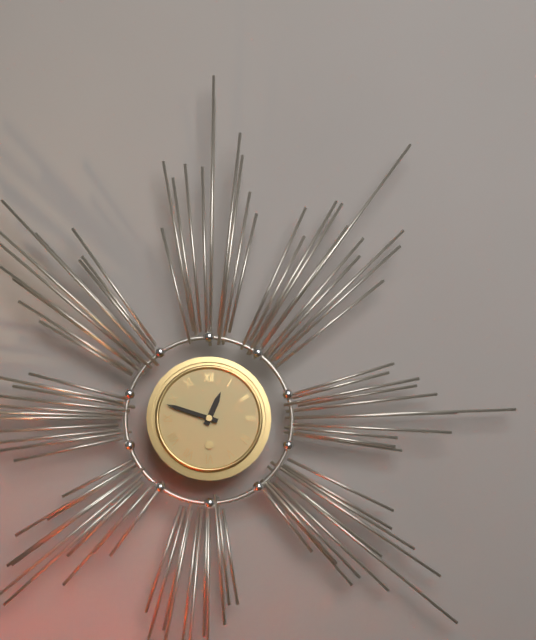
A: 12 h 48 min
